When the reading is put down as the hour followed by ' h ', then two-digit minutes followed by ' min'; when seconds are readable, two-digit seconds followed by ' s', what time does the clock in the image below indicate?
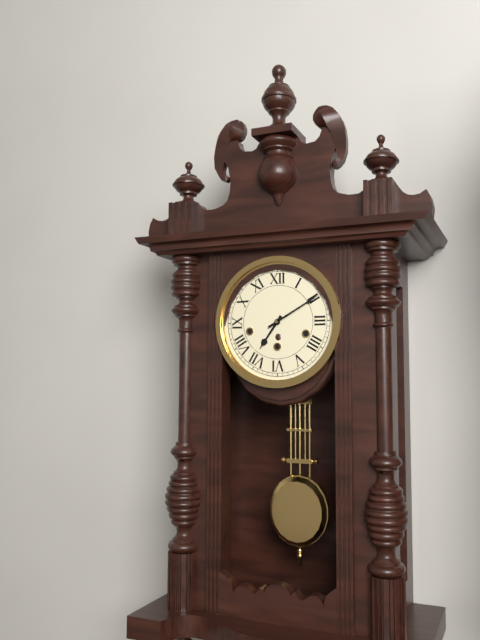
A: 7 h 10 min
